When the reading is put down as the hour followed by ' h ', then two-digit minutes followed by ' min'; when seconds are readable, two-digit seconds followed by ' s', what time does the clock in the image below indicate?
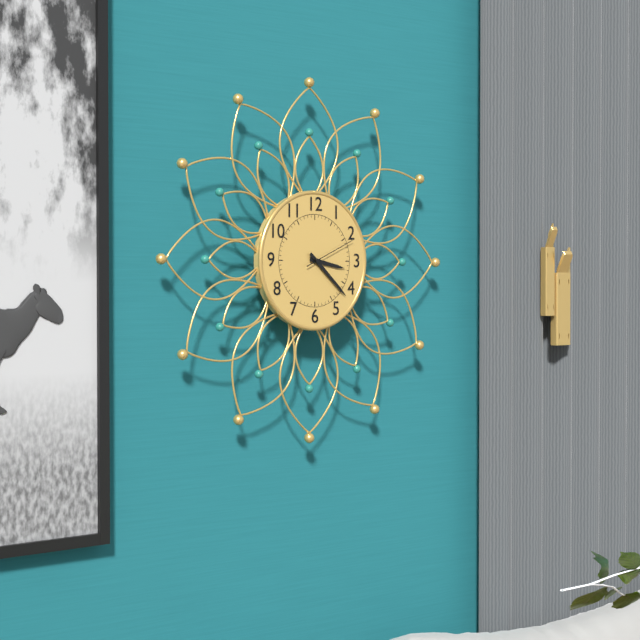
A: 3 h 22 min 11 s
